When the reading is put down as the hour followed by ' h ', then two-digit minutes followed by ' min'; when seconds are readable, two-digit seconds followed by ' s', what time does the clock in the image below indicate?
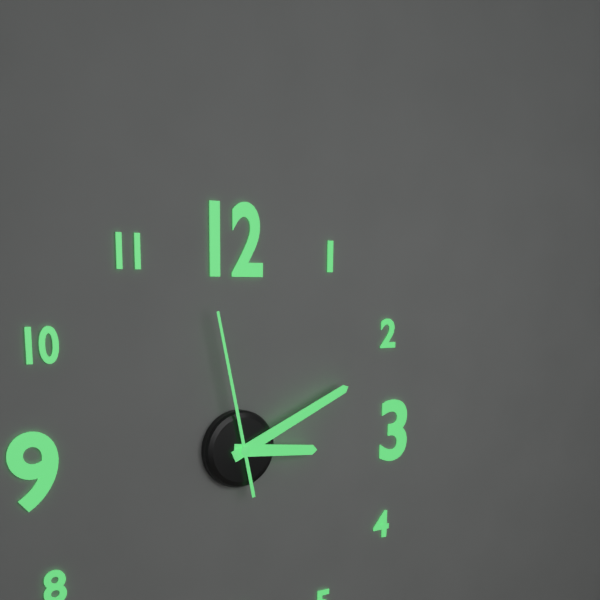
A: 3 h 11 min 58 s
